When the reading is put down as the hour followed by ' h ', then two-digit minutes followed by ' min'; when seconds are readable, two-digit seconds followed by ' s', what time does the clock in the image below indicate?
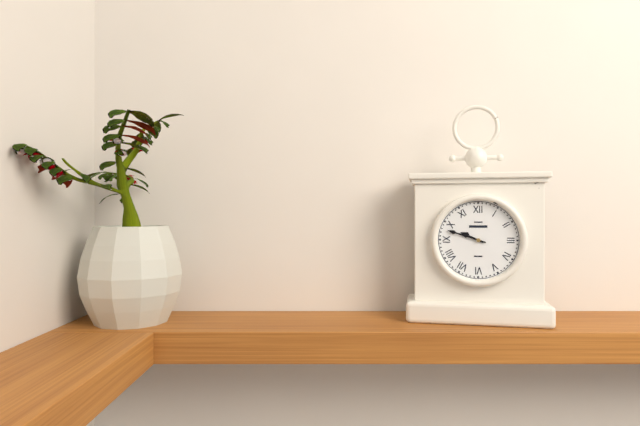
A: 9 h 48 min
